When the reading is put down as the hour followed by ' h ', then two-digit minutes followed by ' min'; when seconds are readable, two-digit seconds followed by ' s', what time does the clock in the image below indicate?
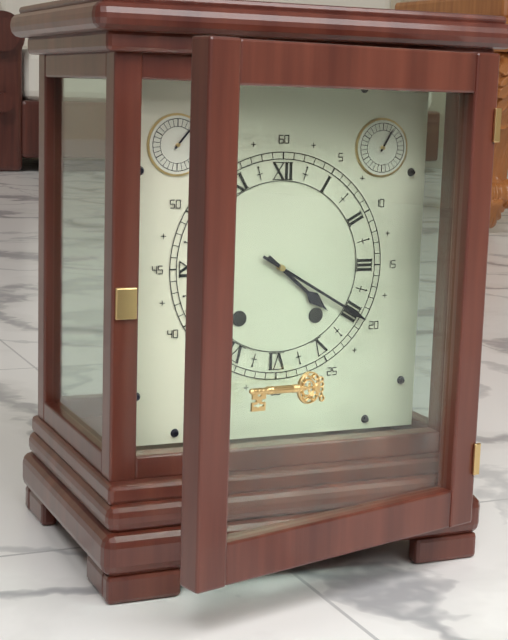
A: 4 h 20 min
